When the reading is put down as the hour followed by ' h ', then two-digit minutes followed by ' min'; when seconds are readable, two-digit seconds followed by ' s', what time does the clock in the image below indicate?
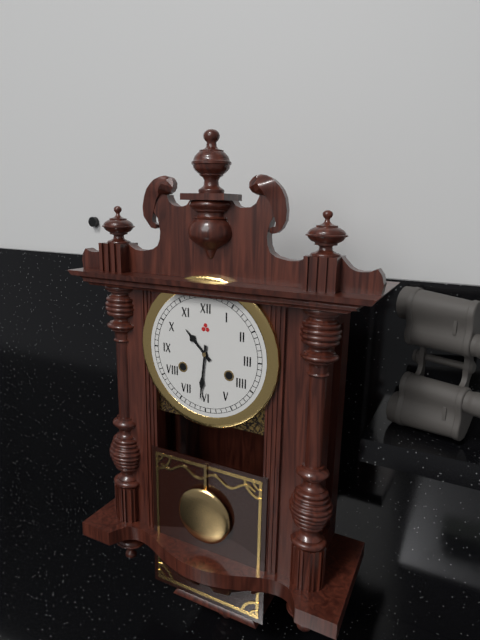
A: 10 h 31 min
